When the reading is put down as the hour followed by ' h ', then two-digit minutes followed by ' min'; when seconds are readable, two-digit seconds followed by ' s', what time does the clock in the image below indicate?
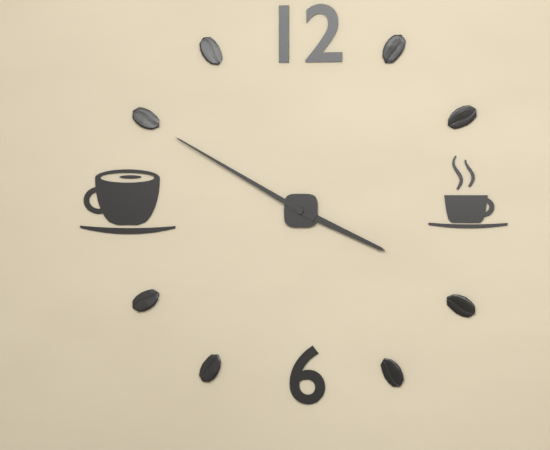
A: 3 h 50 min
